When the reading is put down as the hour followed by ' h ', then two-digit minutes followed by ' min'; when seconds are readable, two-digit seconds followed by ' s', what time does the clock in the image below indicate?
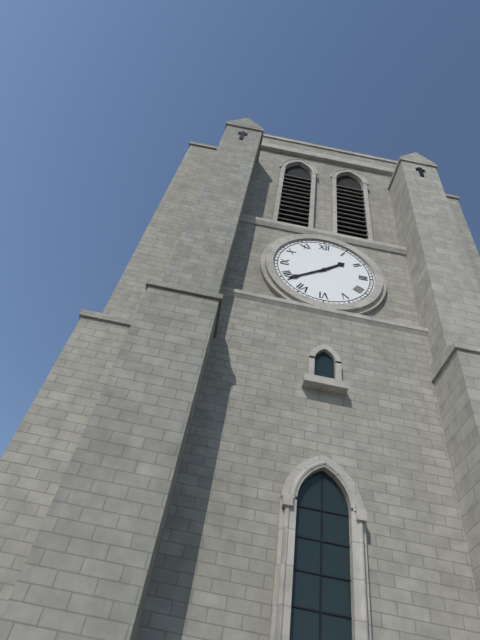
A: 1 h 39 min
